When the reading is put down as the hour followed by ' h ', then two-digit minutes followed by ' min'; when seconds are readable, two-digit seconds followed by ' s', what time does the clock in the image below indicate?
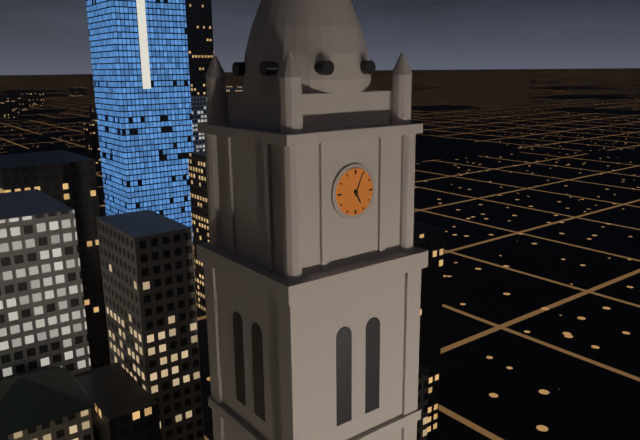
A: 5 h 04 min
